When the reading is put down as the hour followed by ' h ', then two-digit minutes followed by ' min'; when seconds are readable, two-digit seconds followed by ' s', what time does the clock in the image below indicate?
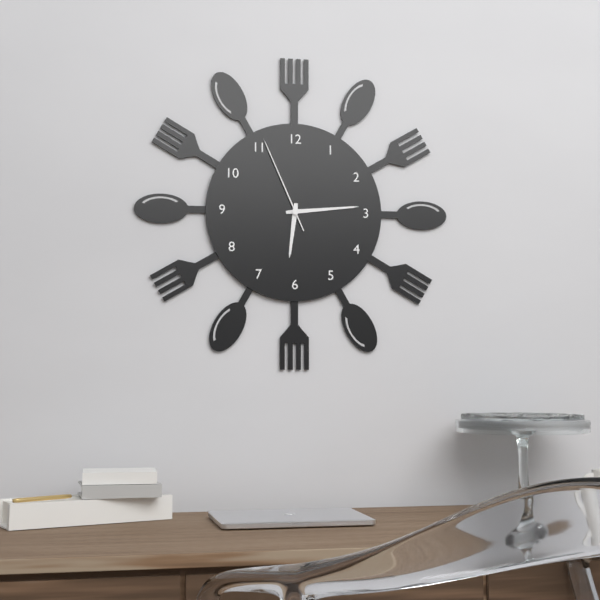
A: 6 h 14 min 56 s
